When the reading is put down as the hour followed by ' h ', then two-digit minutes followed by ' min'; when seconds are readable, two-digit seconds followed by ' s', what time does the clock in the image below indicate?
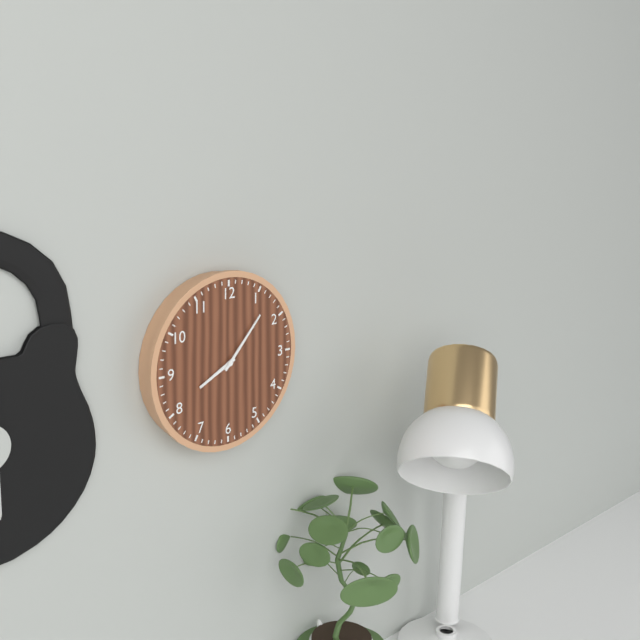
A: 8 h 07 min
